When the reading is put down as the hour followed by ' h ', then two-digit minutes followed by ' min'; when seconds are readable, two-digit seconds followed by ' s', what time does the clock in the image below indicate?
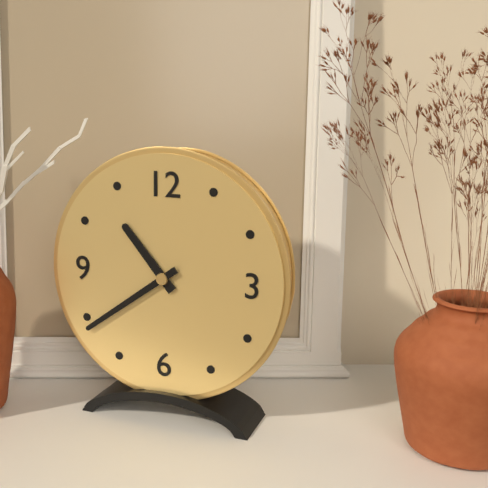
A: 10 h 39 min
